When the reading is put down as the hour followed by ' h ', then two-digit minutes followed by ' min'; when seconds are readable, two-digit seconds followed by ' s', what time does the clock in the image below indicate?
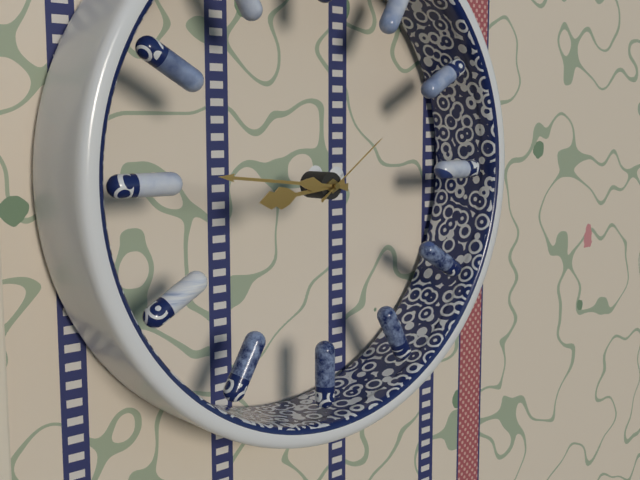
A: 8 h 46 min 09 s
